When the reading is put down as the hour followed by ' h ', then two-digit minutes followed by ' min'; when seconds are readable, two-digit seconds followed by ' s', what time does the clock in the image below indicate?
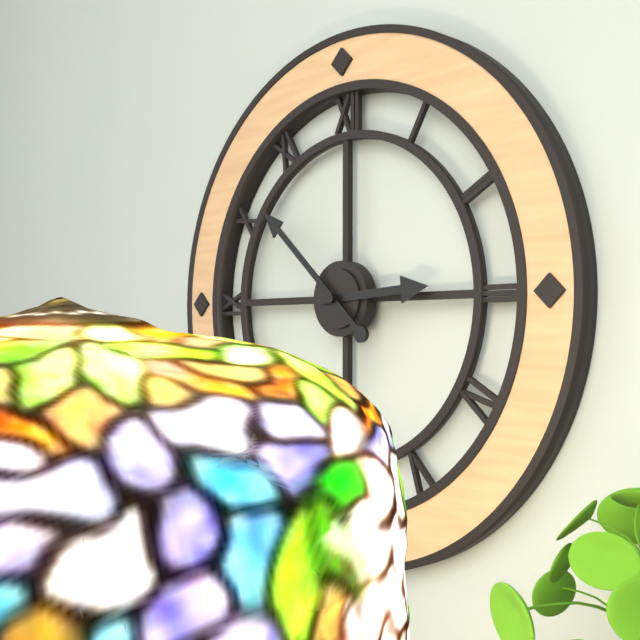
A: 2 h 52 min
